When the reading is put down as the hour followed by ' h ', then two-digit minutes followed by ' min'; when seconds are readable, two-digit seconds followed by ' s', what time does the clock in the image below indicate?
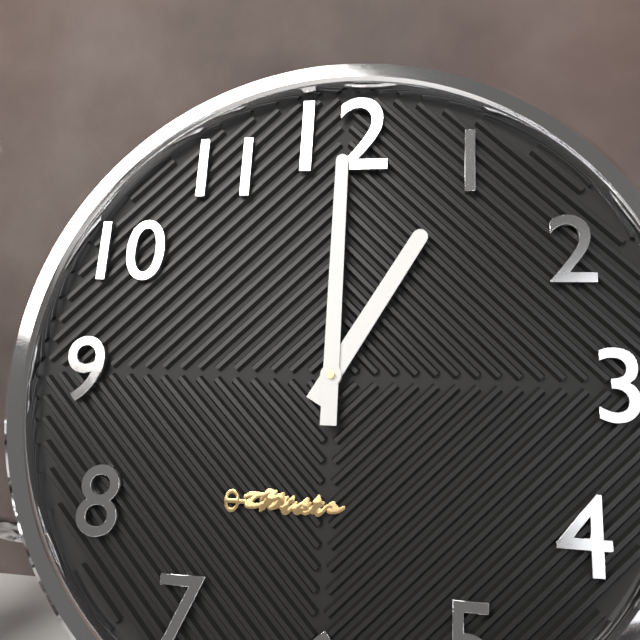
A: 1 h 00 min
